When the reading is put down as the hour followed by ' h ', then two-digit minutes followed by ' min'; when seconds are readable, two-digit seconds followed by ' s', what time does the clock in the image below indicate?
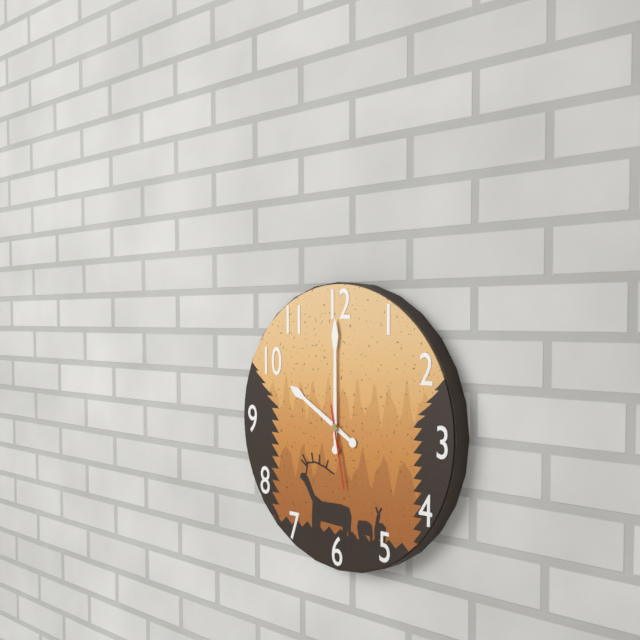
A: 10 h 00 min 28 s
